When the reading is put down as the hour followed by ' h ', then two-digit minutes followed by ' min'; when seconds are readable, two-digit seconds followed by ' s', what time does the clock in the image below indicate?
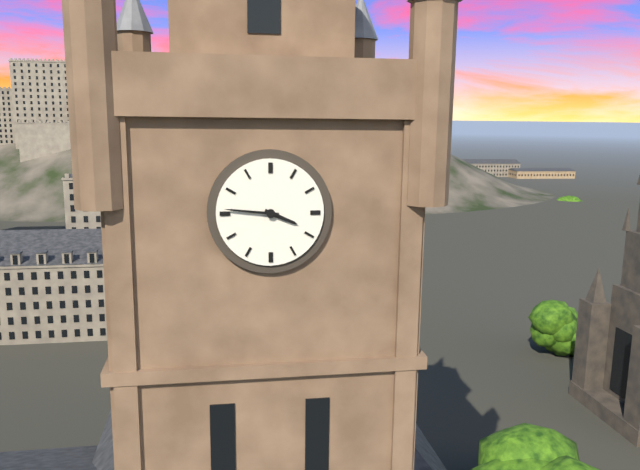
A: 3 h 46 min
